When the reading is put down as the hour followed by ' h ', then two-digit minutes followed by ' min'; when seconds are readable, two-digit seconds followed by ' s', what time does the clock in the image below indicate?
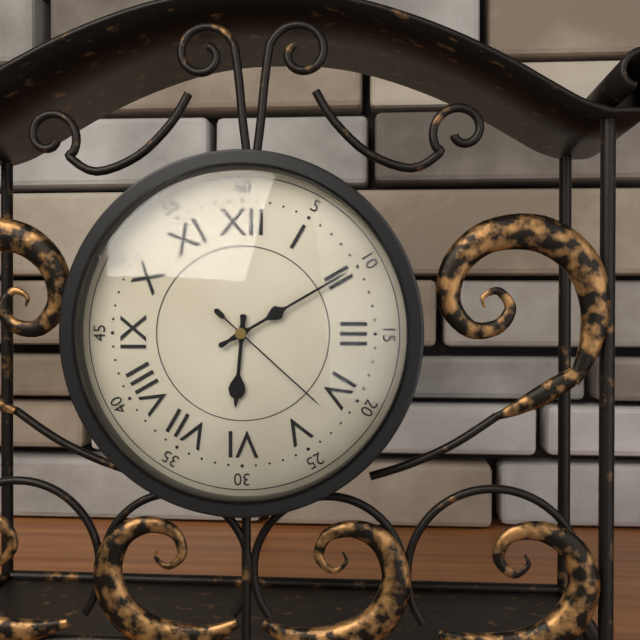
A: 6 h 10 min 22 s
